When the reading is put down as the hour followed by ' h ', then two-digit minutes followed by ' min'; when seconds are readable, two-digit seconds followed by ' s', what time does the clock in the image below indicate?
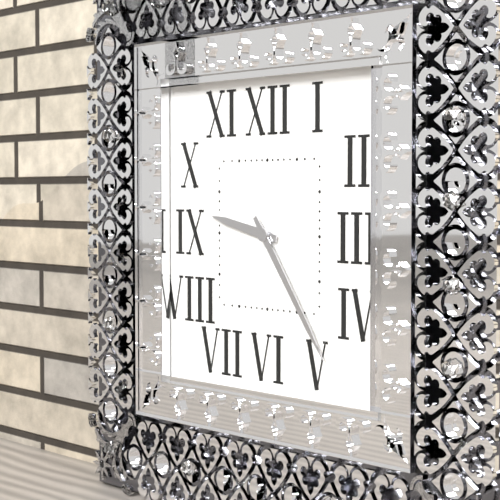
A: 9 h 24 min
